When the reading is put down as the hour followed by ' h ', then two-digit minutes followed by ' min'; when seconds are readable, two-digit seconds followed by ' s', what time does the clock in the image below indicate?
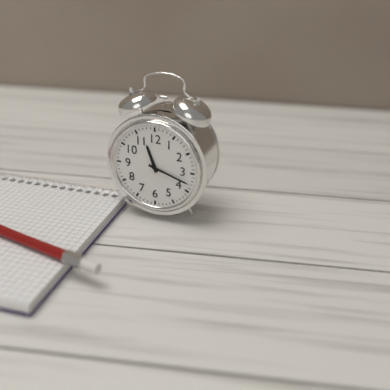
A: 11 h 18 min
